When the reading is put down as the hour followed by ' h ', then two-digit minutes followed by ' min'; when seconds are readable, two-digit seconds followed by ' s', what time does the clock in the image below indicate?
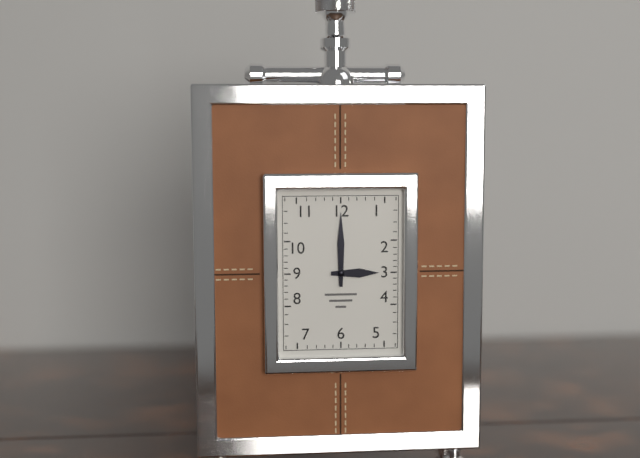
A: 3 h 00 min
